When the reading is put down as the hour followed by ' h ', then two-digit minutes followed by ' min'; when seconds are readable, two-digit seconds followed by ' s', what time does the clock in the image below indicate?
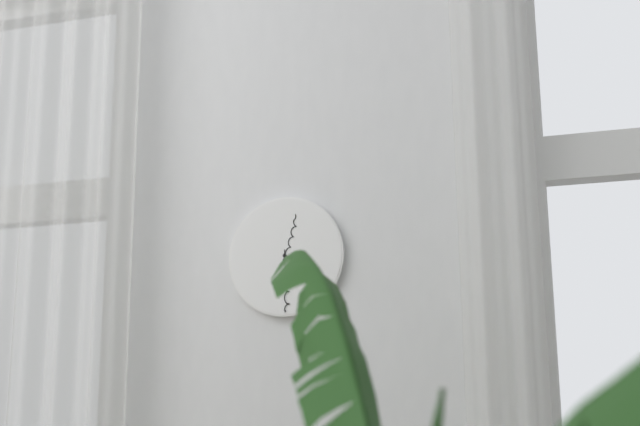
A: 12 h 30 min
